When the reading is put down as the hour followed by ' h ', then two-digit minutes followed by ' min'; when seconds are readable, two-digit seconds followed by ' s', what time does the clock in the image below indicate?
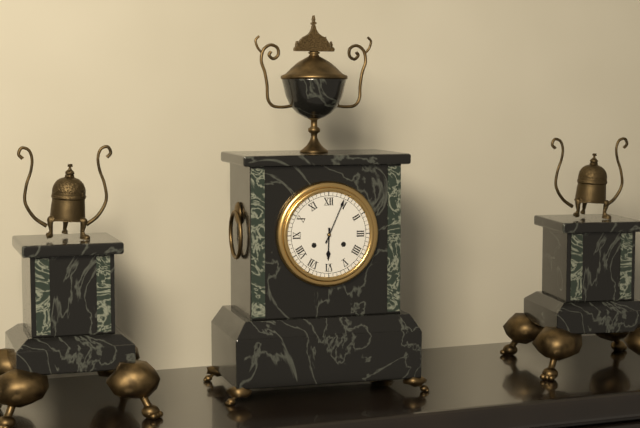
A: 6 h 04 min
